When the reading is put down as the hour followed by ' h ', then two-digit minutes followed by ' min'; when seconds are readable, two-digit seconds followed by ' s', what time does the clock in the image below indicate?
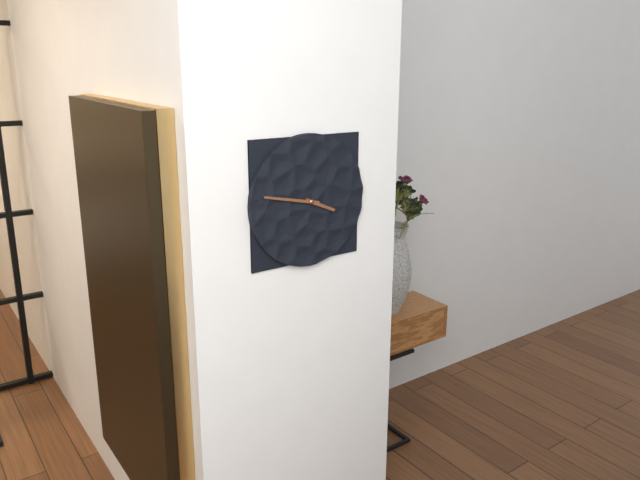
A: 3 h 47 min
